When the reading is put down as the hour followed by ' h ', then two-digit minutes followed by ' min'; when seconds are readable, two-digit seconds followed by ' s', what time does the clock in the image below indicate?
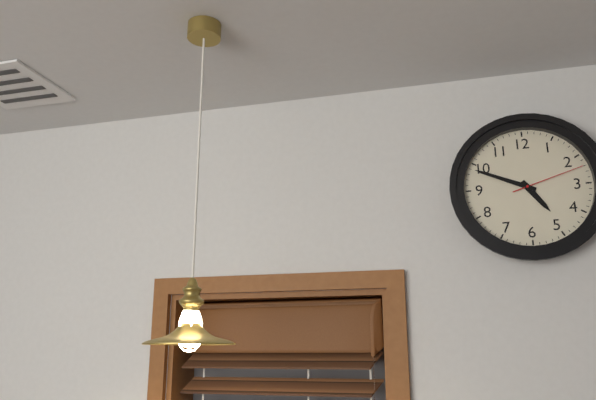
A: 4 h 49 min 12 s
